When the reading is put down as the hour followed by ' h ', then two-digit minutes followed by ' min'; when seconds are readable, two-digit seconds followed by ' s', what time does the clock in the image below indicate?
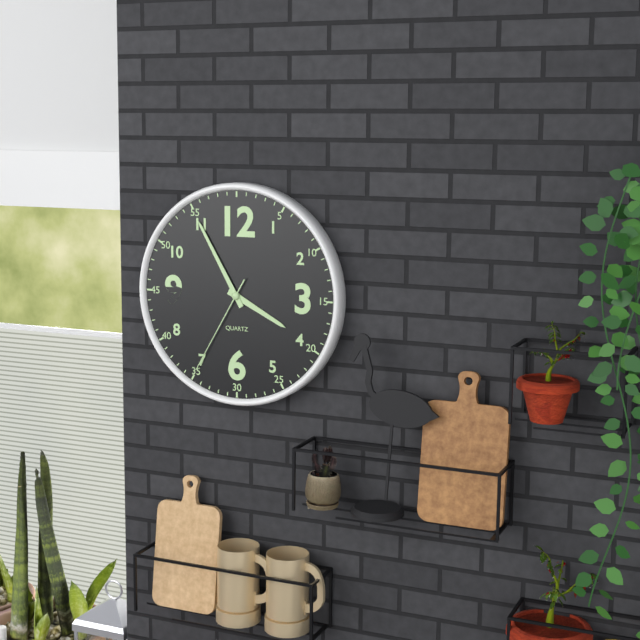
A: 3 h 55 min 35 s
